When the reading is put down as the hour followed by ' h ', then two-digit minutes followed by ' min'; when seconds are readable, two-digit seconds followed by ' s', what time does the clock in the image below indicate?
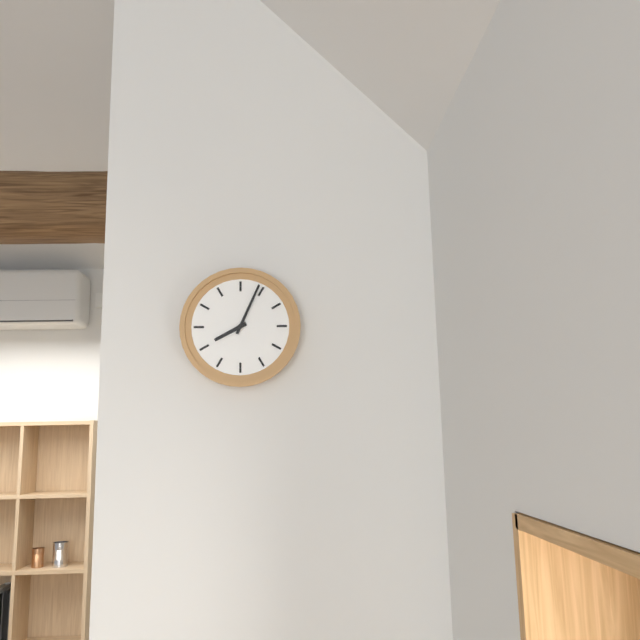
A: 8 h 04 min
